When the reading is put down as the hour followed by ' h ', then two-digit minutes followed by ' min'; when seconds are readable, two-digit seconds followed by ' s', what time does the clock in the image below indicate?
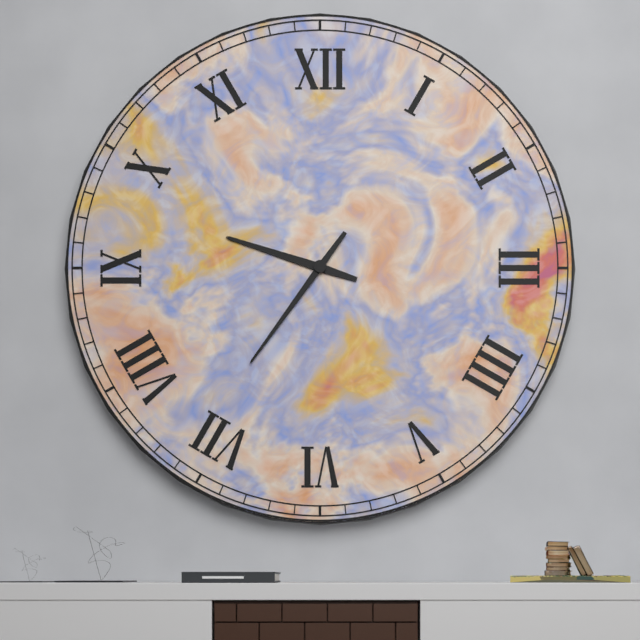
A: 9 h 36 min
